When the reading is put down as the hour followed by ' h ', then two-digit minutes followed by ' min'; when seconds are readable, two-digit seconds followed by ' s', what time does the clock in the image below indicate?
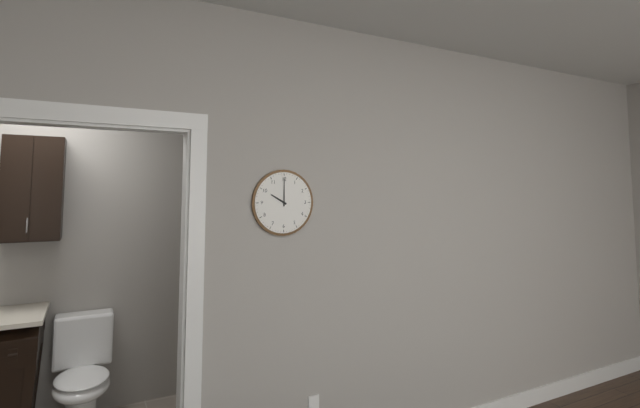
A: 10 h 00 min
